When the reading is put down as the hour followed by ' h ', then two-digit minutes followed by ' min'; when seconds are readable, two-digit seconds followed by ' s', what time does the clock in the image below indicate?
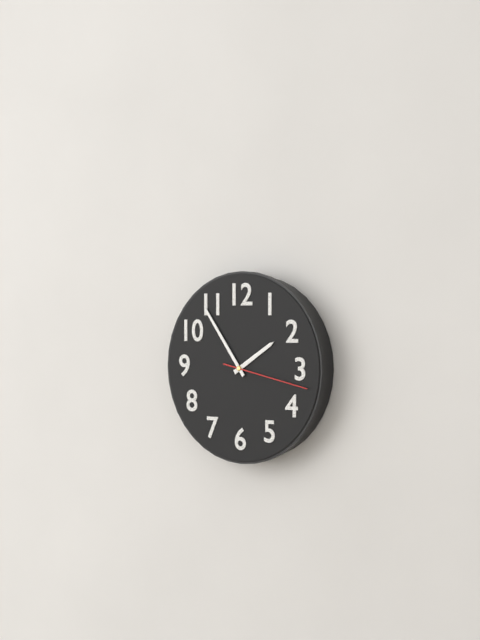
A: 1 h 54 min 17 s
